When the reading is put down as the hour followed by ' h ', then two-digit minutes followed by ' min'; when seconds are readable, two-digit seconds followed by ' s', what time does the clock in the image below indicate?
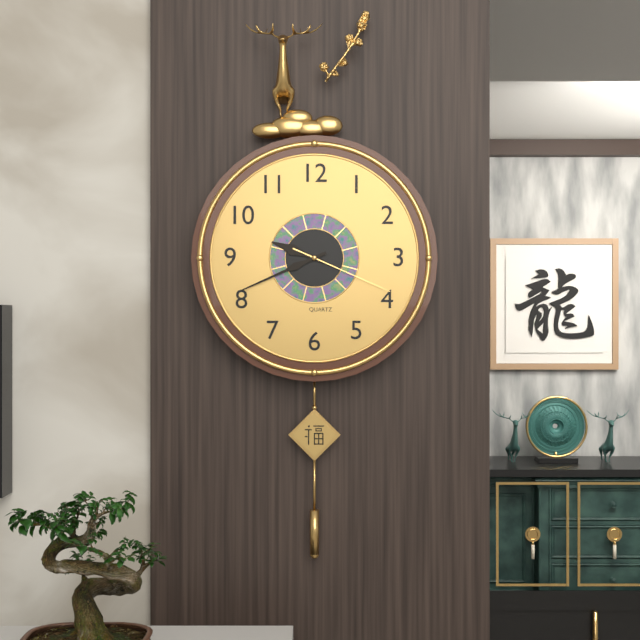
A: 9 h 41 min 19 s
